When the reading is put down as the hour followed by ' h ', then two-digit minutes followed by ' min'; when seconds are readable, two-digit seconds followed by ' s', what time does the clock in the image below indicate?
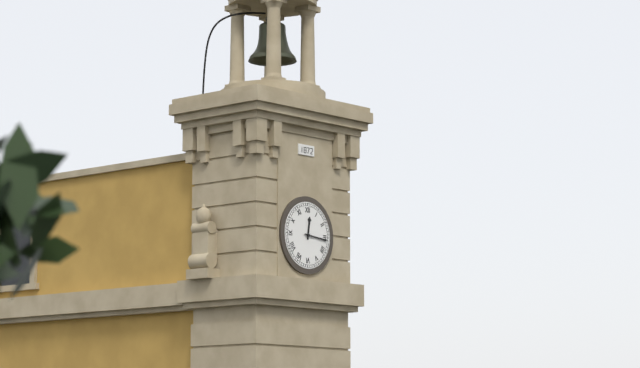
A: 12 h 16 min
